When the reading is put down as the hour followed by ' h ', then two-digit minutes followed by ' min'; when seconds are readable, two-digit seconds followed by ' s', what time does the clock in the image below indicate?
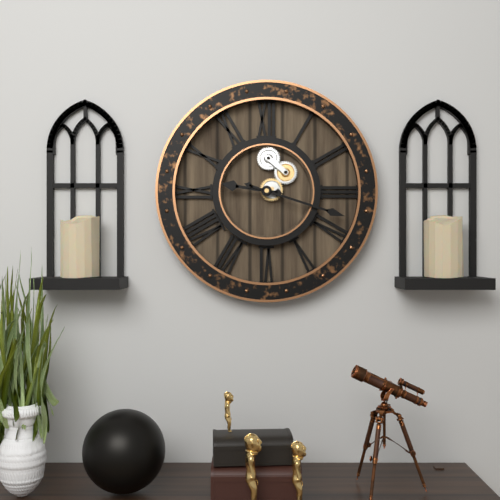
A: 9 h 18 min
